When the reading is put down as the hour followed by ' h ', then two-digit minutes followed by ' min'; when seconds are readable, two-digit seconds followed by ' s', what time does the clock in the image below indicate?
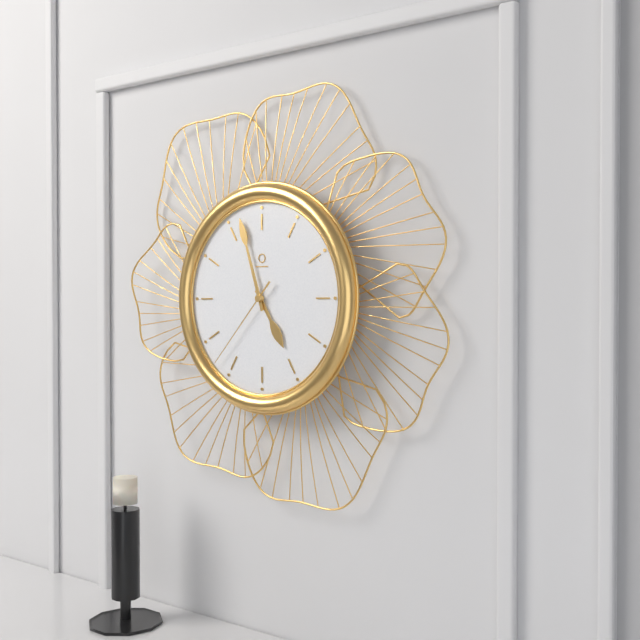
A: 4 h 57 min 37 s
